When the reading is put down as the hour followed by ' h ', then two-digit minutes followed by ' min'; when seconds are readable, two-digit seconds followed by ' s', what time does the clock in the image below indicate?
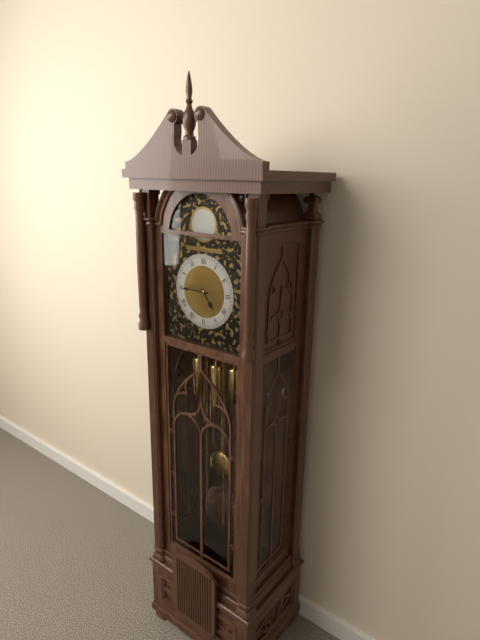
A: 4 h 45 min
